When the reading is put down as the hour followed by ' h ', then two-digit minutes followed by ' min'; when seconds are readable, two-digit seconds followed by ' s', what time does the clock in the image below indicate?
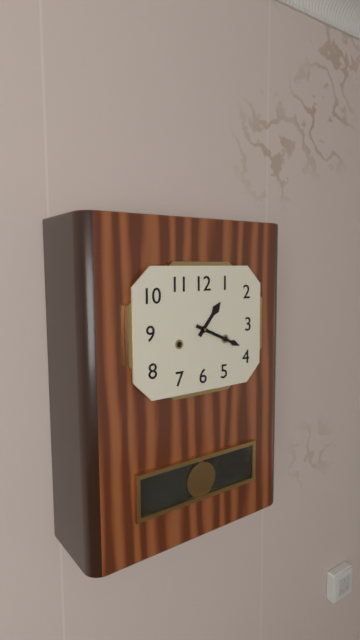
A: 1 h 19 min
